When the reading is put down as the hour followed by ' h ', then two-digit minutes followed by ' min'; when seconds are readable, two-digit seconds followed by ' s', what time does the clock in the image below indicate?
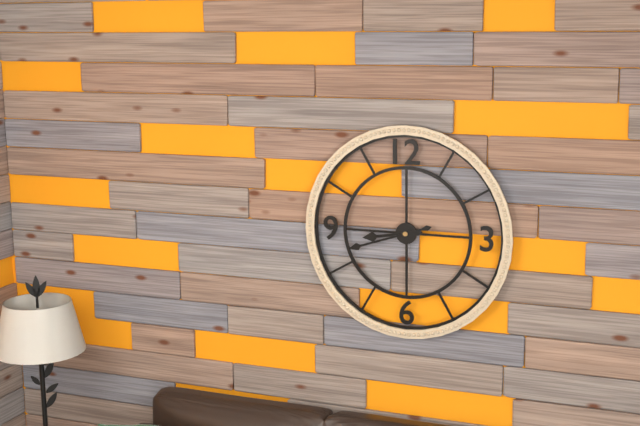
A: 8 h 42 min
